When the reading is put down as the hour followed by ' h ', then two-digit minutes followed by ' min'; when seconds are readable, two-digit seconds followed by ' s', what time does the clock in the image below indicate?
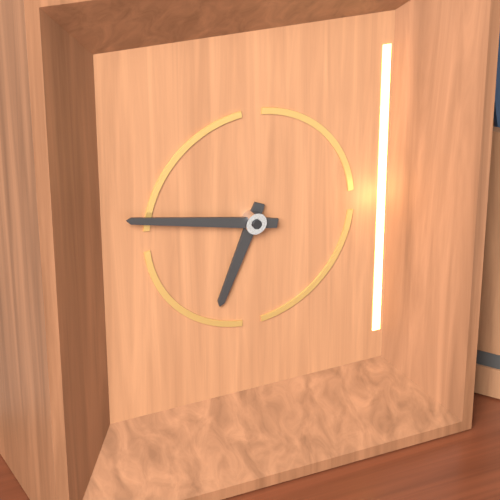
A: 6 h 47 min
